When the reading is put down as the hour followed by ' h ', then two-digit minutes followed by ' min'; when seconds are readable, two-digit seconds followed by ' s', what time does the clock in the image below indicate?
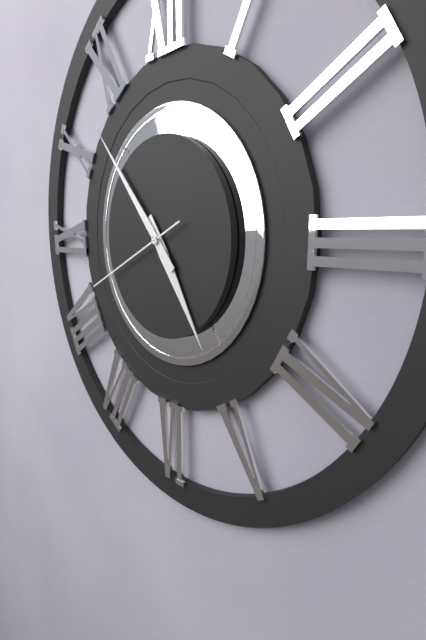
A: 4 h 53 min 41 s
